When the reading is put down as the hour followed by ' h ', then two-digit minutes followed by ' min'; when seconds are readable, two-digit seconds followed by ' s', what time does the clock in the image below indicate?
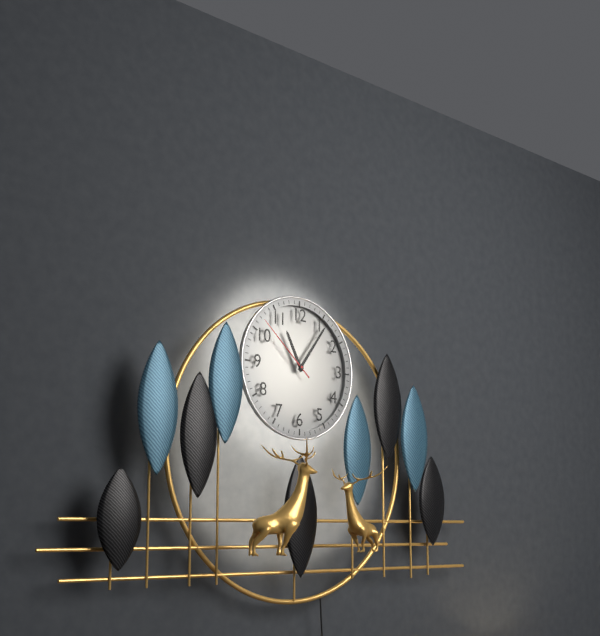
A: 11 h 06 min 52 s
